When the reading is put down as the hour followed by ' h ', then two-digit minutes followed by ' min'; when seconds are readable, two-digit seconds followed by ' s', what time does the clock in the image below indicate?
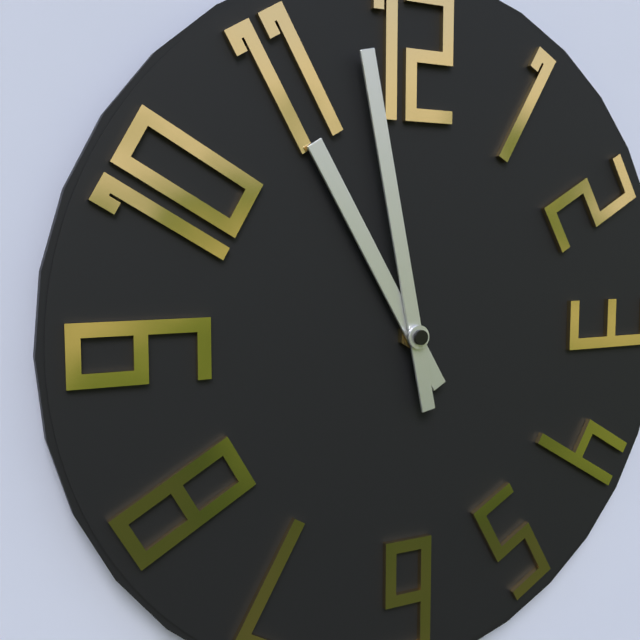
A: 10 h 58 min
